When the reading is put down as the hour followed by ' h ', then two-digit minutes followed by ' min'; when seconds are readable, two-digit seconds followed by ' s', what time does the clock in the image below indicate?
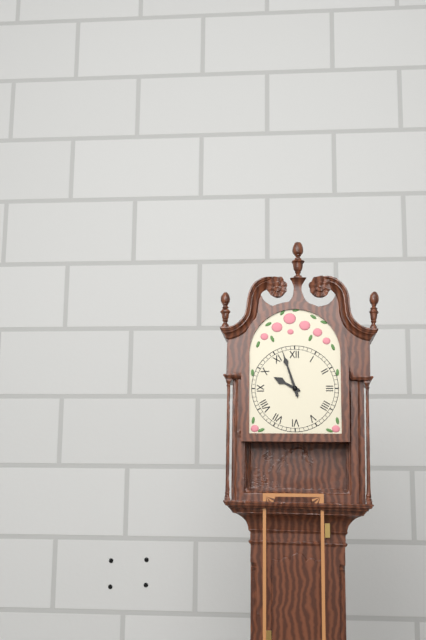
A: 9 h 57 min
